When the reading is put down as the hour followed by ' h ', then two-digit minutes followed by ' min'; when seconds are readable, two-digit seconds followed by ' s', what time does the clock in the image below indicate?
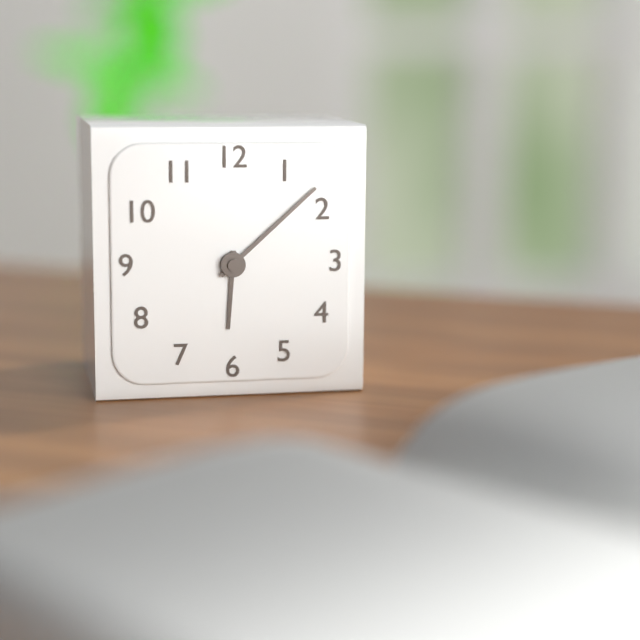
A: 6 h 08 min
